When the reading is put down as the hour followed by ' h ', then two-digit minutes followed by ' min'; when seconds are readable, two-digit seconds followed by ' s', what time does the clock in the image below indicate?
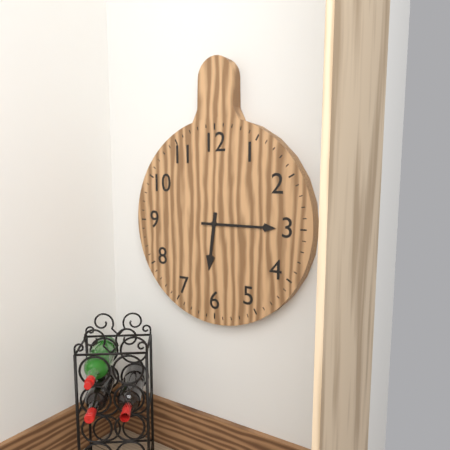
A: 6 h 15 min
